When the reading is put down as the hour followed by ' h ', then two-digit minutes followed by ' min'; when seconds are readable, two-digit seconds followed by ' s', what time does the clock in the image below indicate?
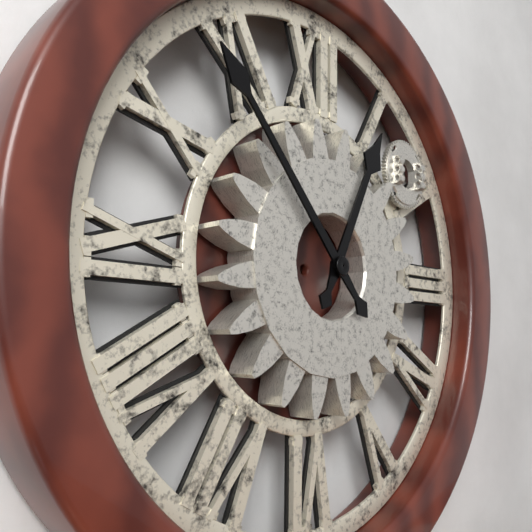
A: 12 h 53 min
